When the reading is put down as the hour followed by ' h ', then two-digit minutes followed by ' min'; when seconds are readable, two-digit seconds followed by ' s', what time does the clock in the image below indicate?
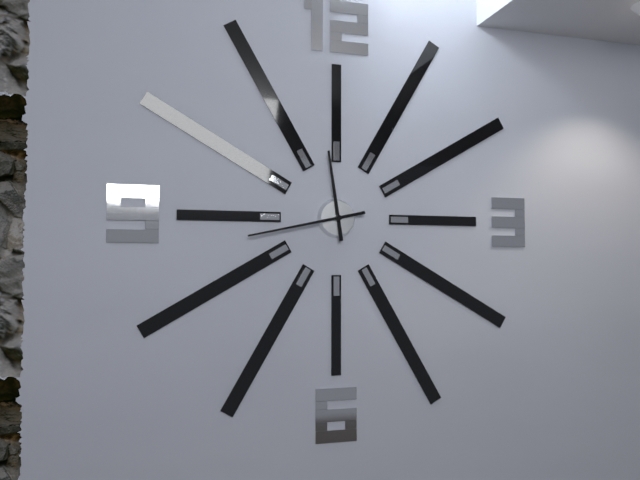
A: 11 h 43 min
